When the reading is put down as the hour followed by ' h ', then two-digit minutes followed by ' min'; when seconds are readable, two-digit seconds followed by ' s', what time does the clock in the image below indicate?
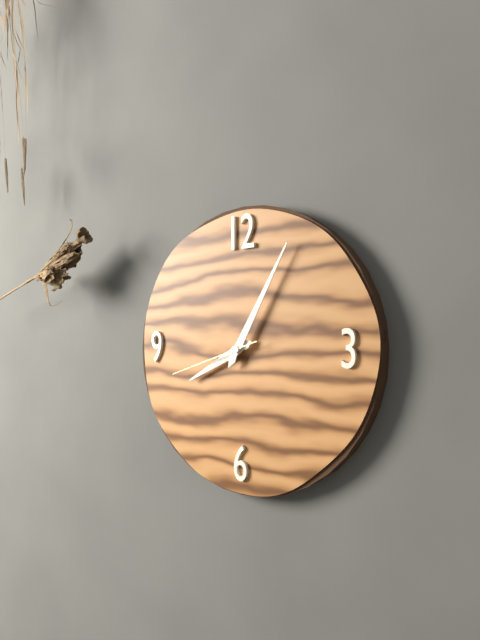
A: 8 h 05 min 42 s
